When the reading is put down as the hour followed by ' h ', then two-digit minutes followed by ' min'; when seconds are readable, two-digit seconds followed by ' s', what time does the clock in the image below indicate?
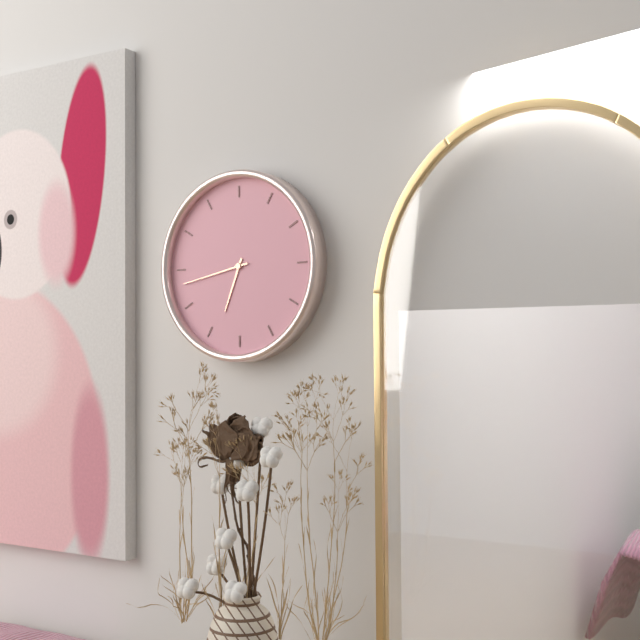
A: 6 h 43 min
